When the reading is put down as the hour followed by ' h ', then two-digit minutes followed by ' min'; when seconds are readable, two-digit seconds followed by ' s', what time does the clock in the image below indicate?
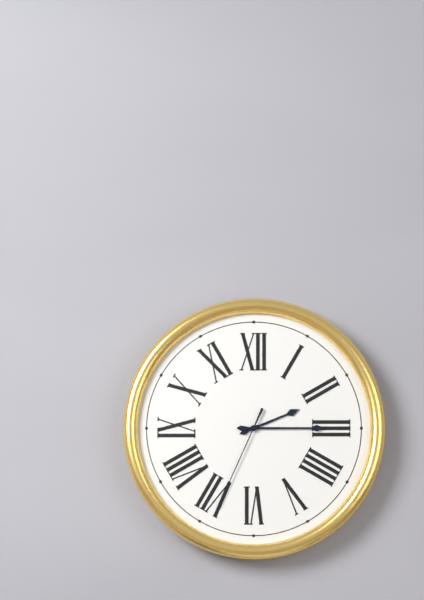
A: 2 h 15 min 34 s
